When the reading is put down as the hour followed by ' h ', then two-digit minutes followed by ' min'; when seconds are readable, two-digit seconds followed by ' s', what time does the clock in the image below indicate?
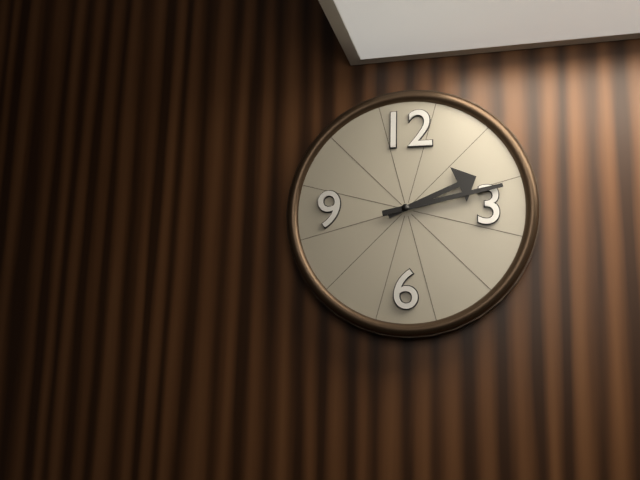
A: 2 h 13 min
